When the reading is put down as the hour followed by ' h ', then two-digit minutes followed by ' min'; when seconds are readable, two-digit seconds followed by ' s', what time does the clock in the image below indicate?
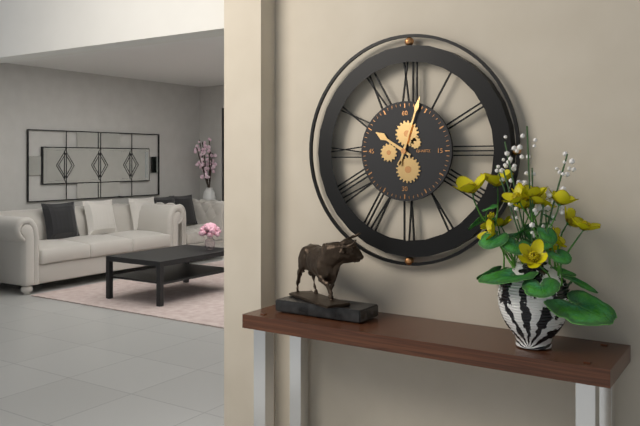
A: 10 h 03 min
